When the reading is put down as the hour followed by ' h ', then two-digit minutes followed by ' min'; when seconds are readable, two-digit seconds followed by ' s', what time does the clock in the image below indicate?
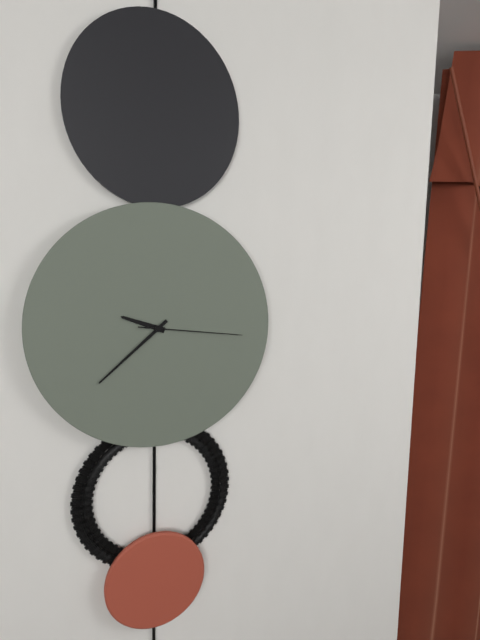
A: 9 h 38 min 16 s
